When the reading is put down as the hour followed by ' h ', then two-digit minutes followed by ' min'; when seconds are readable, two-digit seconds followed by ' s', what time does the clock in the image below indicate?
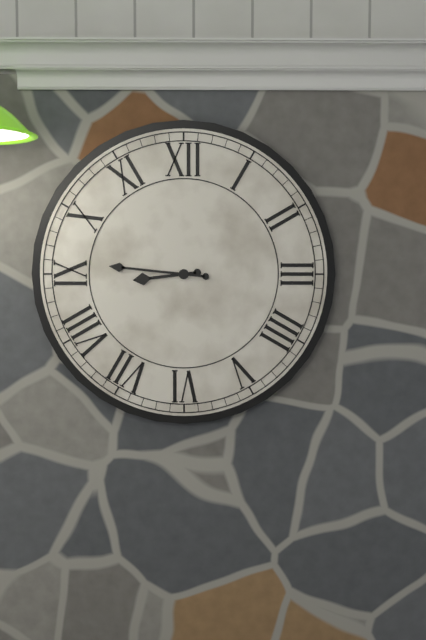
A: 8 h 46 min
